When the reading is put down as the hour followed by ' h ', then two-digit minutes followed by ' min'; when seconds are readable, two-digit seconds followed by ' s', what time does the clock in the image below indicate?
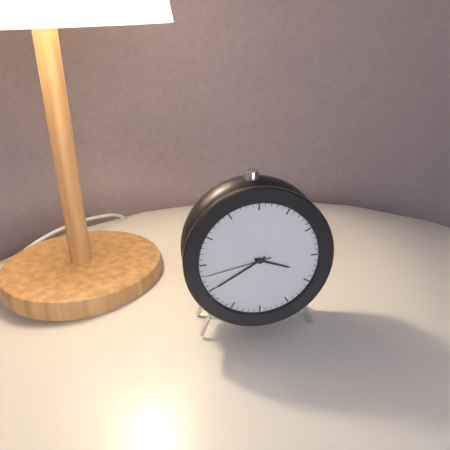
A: 3 h 40 min 43 s
